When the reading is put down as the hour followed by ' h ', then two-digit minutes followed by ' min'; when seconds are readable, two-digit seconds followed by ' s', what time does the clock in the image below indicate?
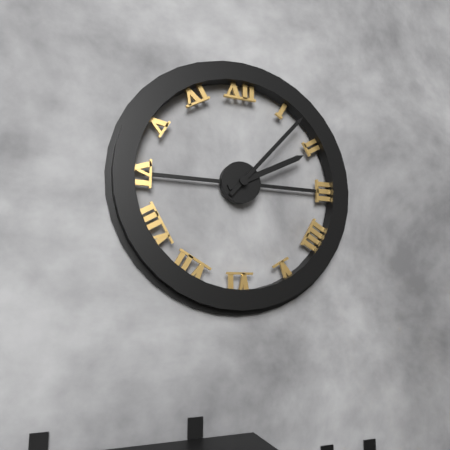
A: 2 h 07 min
